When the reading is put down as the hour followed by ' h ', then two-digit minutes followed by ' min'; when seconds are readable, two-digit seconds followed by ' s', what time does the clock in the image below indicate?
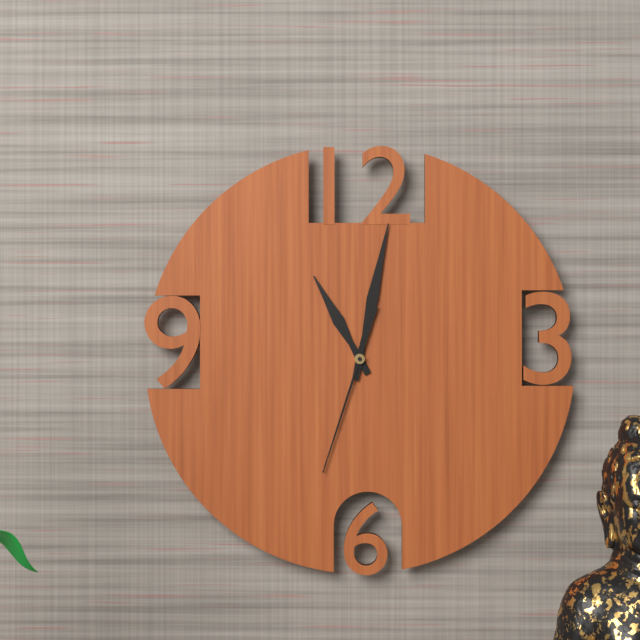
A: 11 h 02 min 33 s
